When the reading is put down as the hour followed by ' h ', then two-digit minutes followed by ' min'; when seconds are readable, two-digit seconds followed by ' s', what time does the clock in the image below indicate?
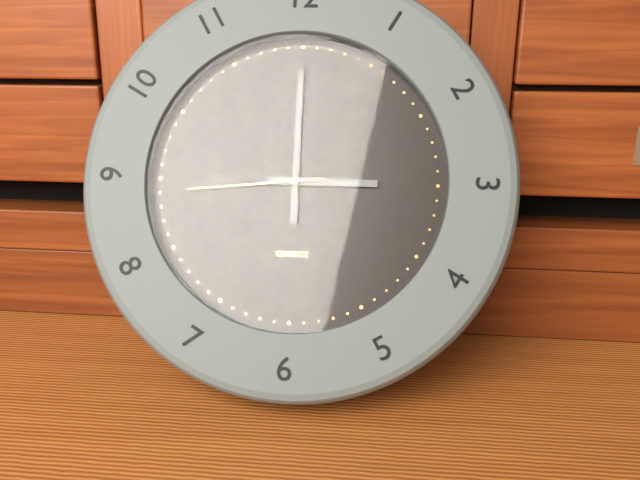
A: 3 h 00 min 44 s
